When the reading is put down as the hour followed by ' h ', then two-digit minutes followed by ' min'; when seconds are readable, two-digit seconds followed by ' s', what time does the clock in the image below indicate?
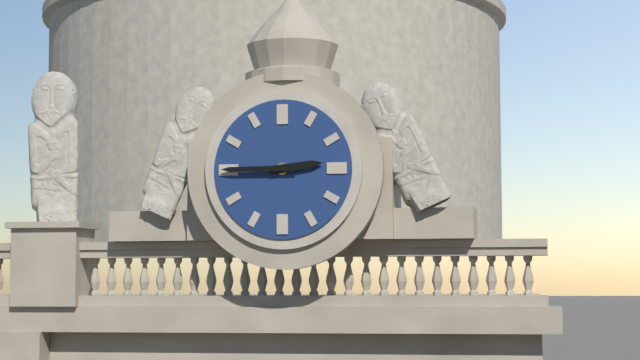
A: 2 h 45 min
